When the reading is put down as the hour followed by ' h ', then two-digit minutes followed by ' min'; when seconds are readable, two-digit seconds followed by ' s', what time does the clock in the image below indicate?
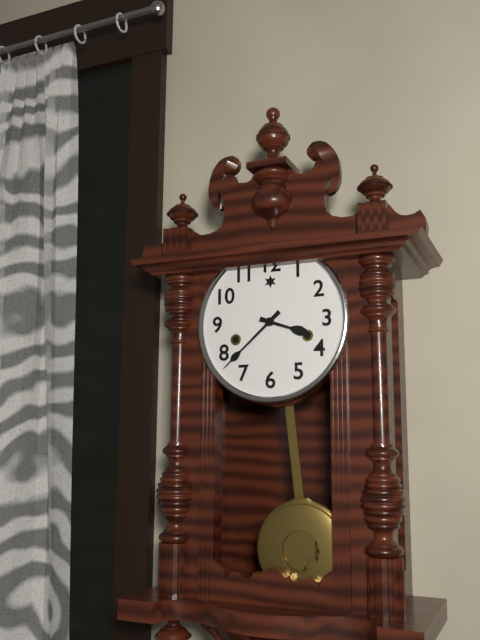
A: 3 h 38 min
